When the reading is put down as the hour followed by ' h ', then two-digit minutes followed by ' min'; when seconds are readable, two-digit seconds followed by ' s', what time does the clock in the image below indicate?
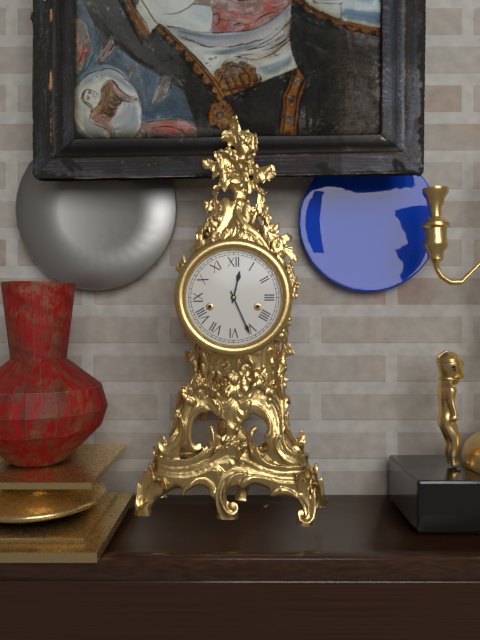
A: 12 h 26 min
